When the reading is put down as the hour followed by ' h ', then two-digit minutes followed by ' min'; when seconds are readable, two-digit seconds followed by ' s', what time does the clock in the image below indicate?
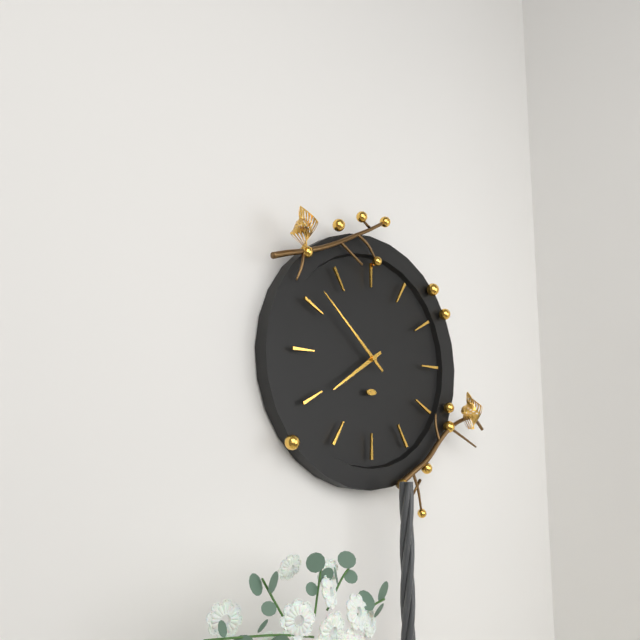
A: 7 h 52 min
